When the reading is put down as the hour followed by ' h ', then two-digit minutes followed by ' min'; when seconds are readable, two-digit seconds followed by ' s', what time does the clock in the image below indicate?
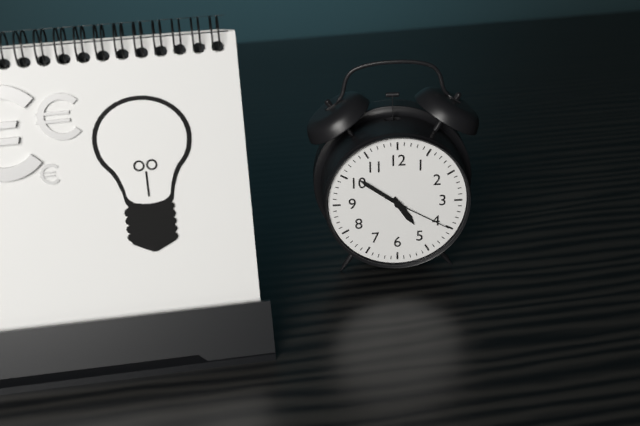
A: 4 h 51 min 20 s
